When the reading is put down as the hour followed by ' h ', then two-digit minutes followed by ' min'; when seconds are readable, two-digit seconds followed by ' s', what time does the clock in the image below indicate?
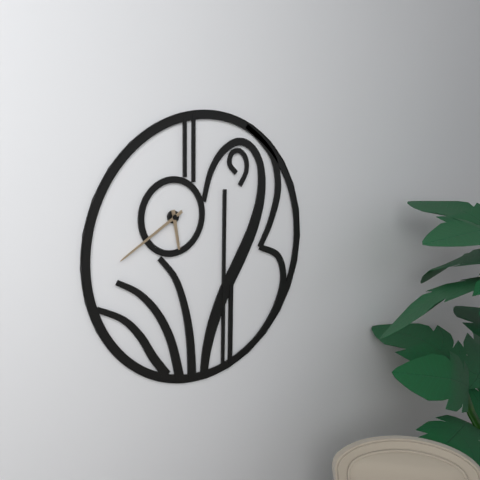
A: 5 h 40 min
